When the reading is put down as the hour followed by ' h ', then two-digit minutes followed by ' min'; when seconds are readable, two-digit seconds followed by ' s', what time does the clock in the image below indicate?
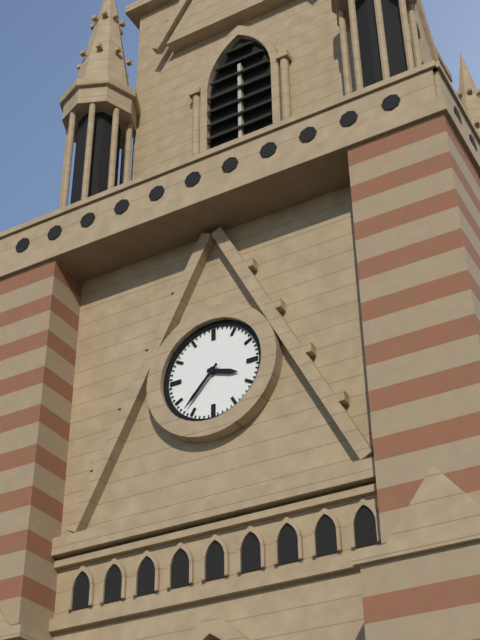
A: 3 h 37 min
